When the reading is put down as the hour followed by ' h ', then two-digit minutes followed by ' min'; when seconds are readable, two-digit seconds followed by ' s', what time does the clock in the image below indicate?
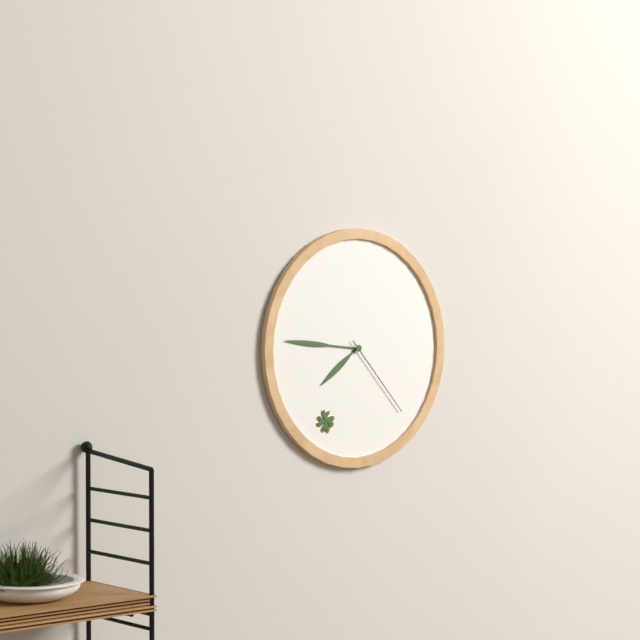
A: 7 h 46 min 23 s
